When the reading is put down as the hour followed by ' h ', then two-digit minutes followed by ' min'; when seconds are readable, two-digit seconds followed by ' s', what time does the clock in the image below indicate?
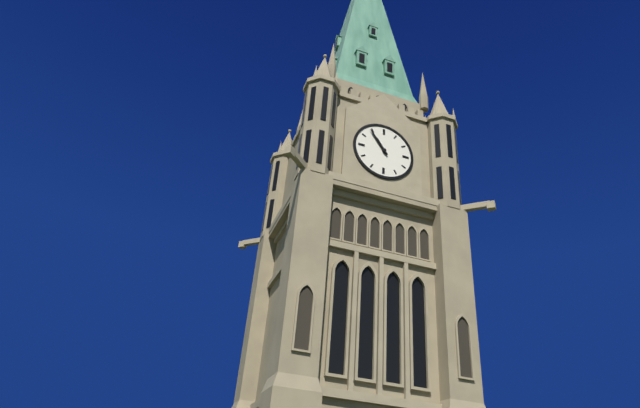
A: 10 h 54 min
